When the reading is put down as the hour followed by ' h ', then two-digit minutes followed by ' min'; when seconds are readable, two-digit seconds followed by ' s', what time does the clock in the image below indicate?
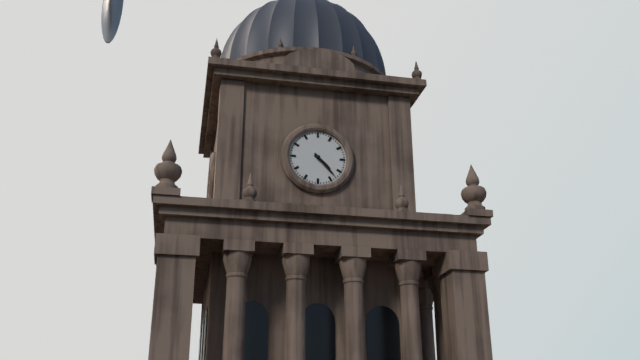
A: 4 h 23 min
